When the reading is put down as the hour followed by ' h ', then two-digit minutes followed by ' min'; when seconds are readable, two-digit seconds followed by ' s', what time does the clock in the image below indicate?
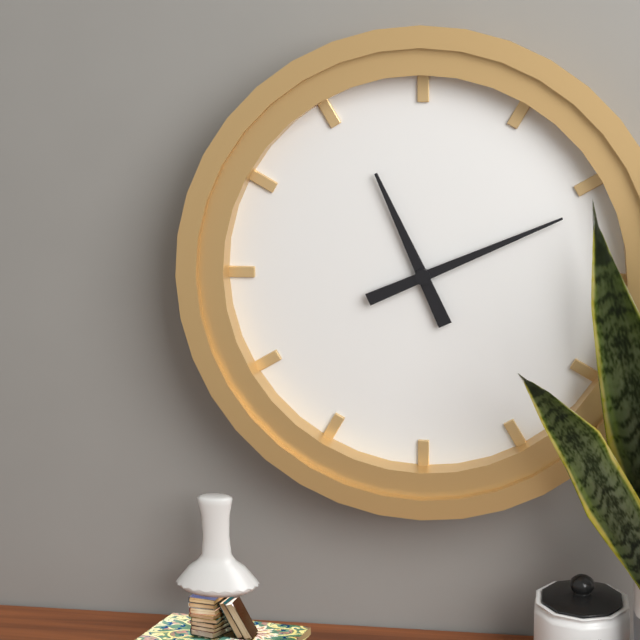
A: 11 h 11 min
